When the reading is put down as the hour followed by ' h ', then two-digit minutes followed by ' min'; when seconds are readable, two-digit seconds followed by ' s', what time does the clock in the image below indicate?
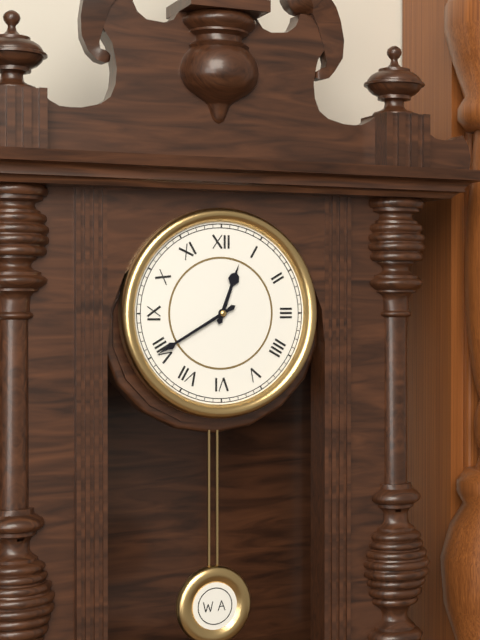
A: 12 h 40 min
